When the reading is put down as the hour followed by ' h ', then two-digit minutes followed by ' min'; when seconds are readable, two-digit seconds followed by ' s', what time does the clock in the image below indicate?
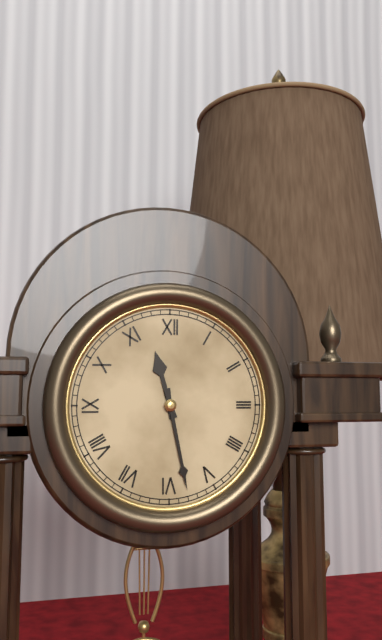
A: 11 h 28 min
